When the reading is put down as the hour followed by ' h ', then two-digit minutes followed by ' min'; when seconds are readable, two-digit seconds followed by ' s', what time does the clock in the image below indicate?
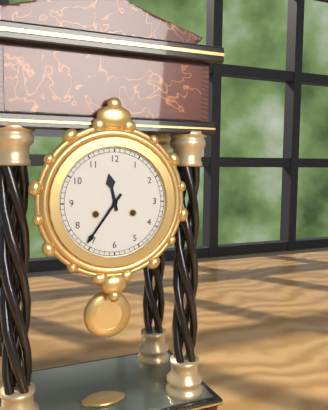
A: 11 h 36 min
